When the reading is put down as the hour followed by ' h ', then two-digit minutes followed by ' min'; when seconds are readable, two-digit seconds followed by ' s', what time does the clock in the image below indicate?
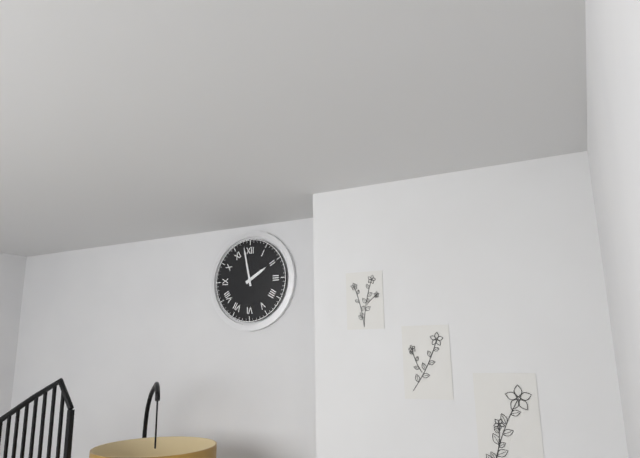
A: 1 h 58 min
